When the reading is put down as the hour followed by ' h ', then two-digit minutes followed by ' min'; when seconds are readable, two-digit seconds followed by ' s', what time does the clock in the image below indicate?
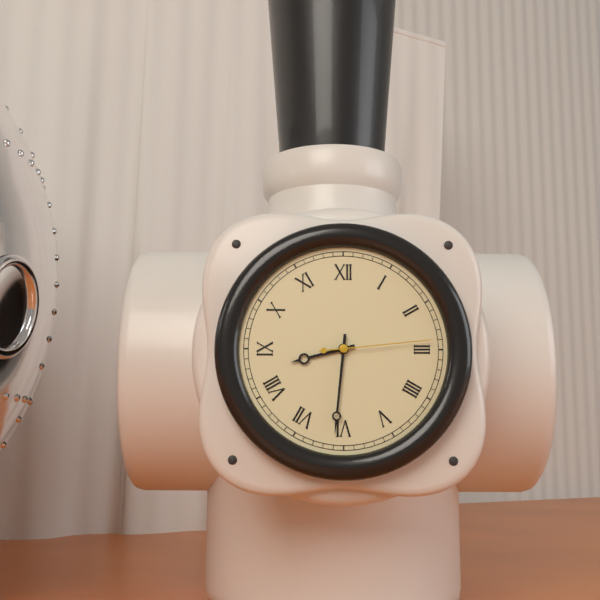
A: 8 h 31 min 14 s
